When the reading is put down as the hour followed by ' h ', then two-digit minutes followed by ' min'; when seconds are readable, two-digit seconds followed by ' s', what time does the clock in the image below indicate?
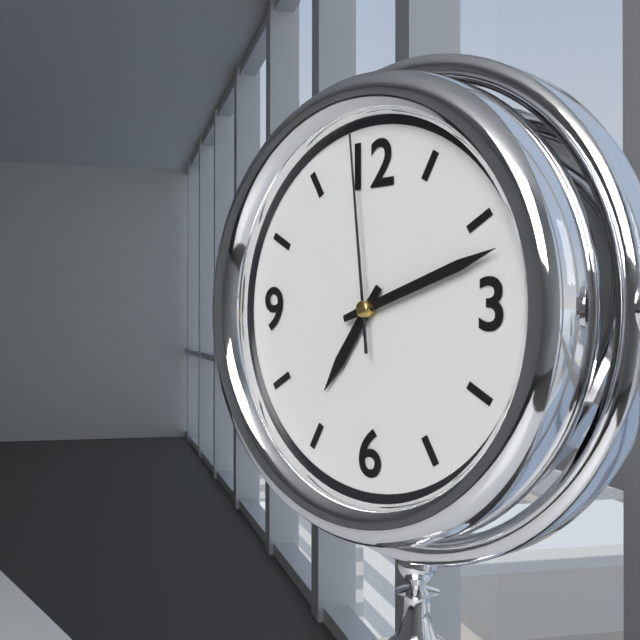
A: 7 h 12 min 59 s
